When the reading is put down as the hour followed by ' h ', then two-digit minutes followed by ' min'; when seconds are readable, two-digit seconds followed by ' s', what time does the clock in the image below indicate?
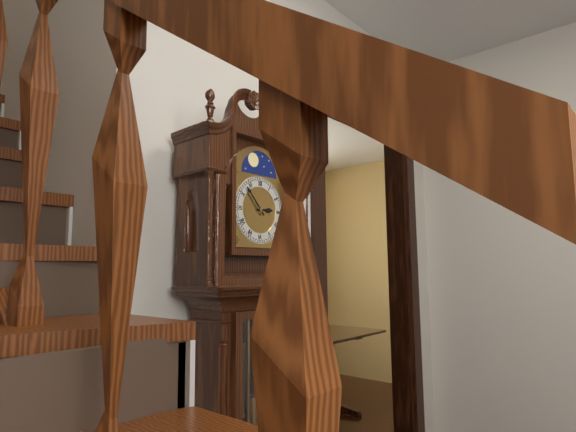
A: 2 h 53 min
